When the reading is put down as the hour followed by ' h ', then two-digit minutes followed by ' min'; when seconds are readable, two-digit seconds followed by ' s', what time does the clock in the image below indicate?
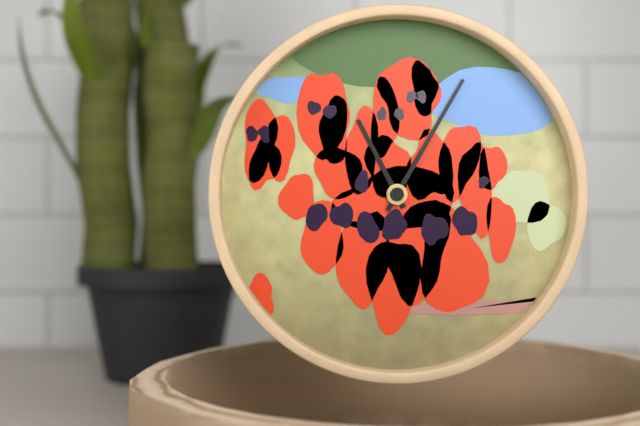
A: 11 h 05 min
